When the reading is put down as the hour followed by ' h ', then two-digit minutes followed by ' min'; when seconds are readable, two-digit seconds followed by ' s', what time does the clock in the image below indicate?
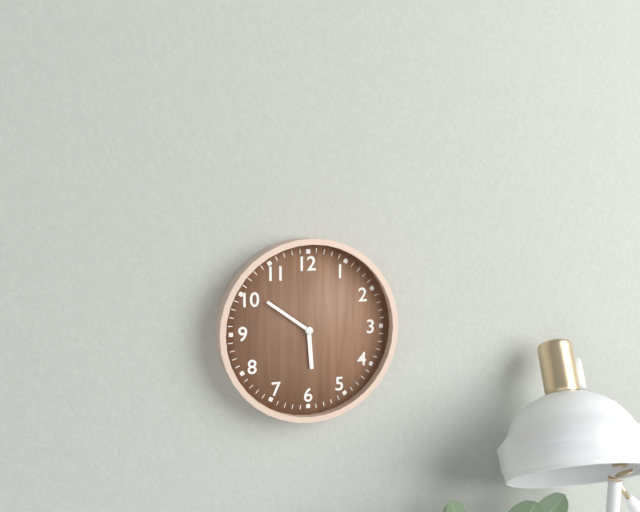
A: 5 h 51 min
